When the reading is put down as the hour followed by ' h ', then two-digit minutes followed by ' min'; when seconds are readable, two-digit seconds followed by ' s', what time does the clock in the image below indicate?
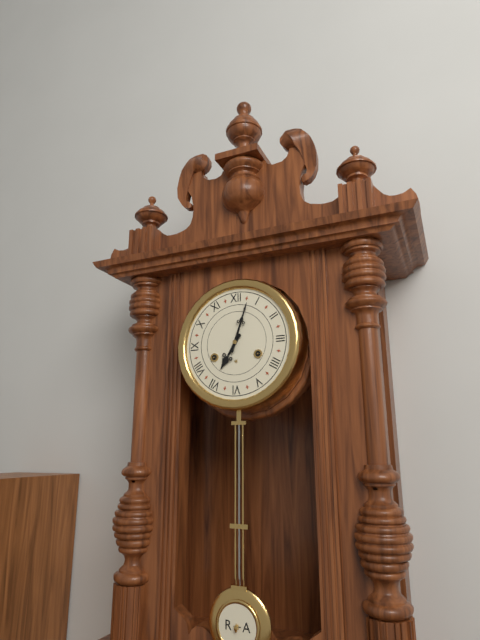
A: 7 h 03 min
